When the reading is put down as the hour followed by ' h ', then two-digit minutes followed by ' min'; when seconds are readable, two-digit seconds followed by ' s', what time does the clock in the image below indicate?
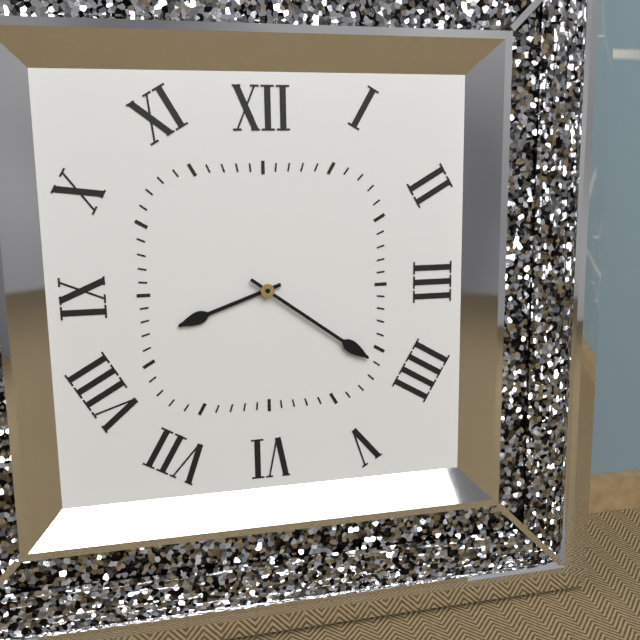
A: 8 h 21 min
